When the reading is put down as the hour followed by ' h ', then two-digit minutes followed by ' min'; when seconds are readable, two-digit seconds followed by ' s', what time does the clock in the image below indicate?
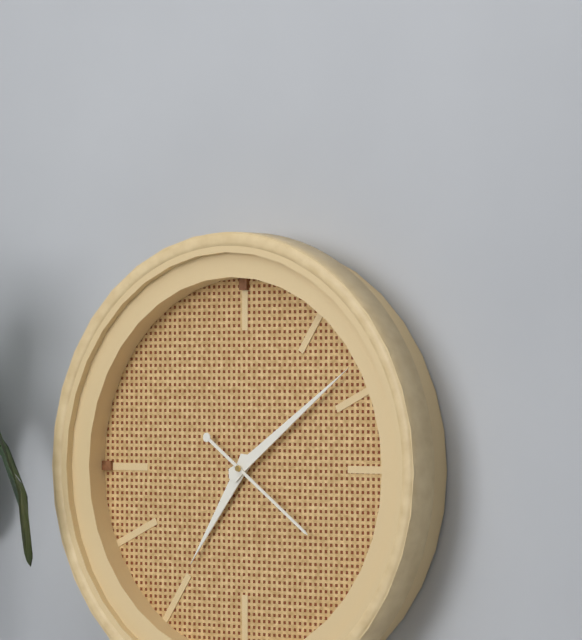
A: 7 h 09 min 21 s
